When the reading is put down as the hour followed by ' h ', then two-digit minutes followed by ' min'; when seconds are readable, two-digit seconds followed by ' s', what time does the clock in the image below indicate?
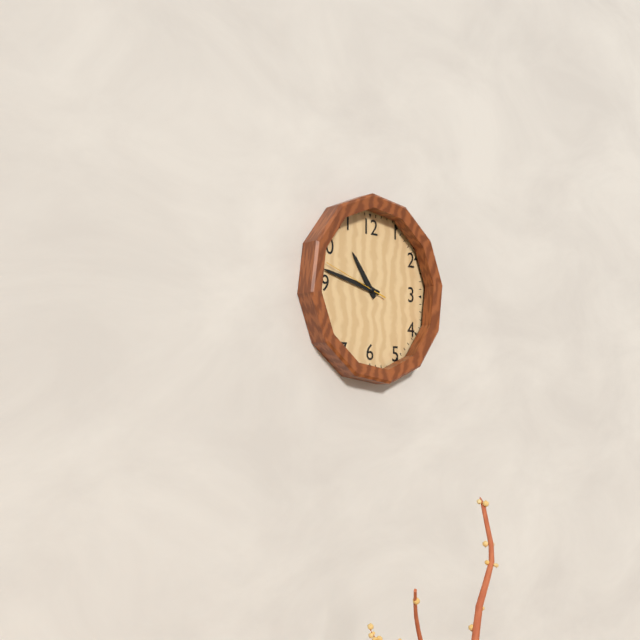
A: 10 h 47 min 48 s
